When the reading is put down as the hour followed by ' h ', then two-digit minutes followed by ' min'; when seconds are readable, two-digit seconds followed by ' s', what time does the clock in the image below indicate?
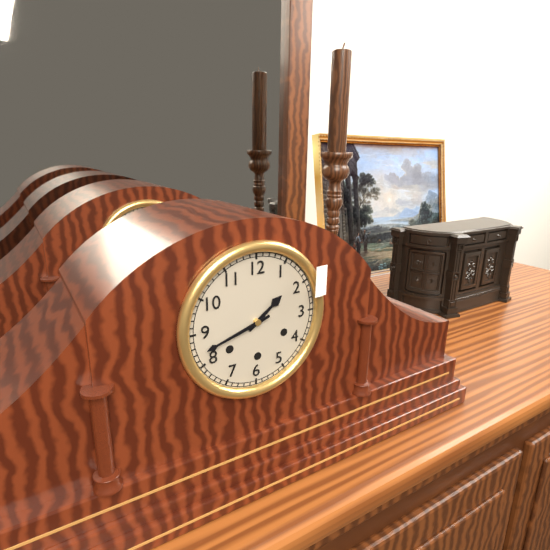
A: 1 h 42 min
